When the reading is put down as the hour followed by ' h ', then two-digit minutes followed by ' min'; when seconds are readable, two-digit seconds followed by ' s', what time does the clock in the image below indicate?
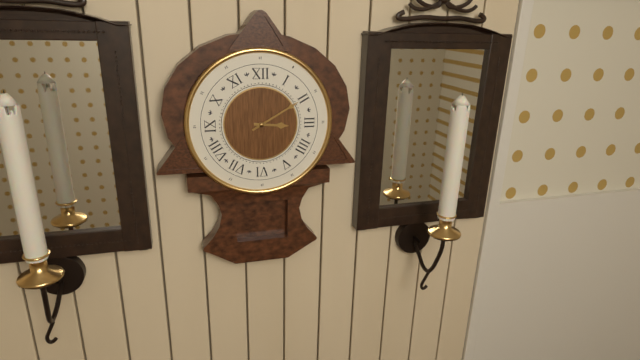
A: 3 h 10 min
